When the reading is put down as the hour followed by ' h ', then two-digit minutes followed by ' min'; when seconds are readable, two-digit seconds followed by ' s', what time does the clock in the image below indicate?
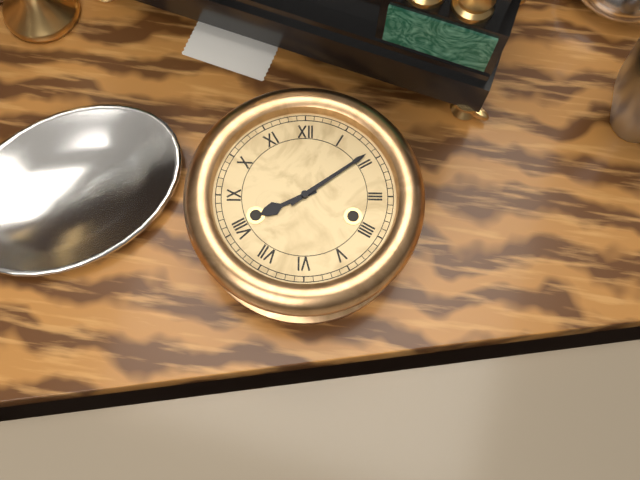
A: 8 h 09 min
